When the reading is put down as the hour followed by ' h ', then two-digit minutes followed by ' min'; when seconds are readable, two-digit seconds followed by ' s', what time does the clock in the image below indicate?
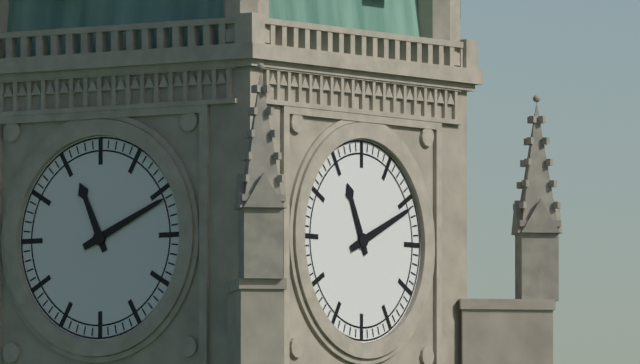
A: 11 h 11 min
